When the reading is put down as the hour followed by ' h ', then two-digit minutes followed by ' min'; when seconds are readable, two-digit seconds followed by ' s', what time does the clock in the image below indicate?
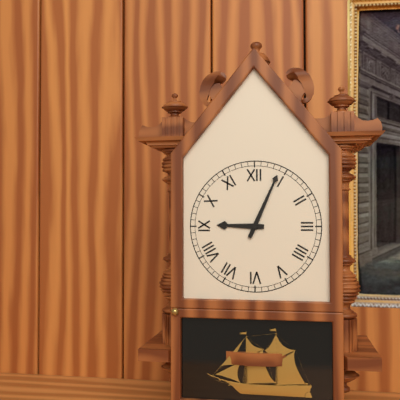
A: 9 h 04 min
